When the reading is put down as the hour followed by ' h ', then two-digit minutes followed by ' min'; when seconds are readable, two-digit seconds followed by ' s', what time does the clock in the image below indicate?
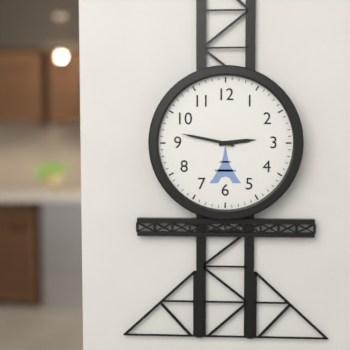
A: 2 h 47 min
